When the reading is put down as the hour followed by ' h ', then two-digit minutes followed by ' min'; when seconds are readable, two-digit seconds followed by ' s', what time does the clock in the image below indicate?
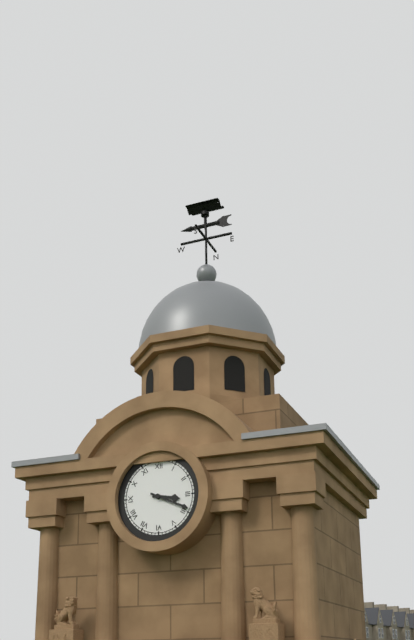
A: 3 h 19 min
